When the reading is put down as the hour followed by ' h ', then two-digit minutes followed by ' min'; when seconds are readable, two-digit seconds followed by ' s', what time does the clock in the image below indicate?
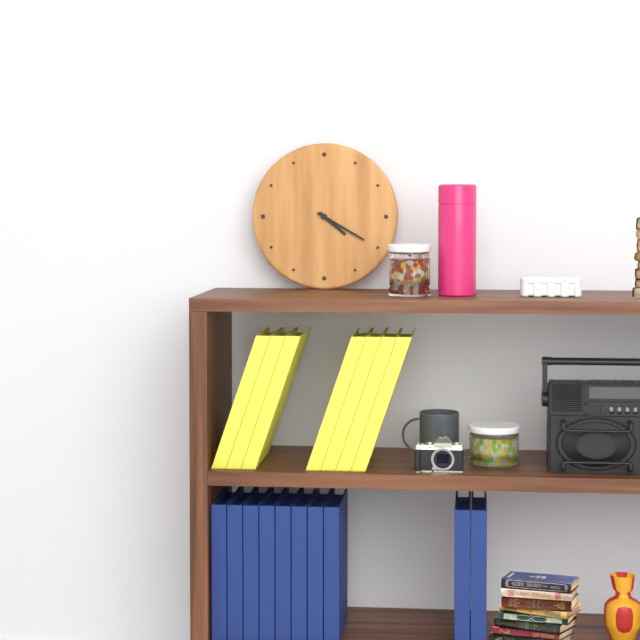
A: 4 h 20 min
